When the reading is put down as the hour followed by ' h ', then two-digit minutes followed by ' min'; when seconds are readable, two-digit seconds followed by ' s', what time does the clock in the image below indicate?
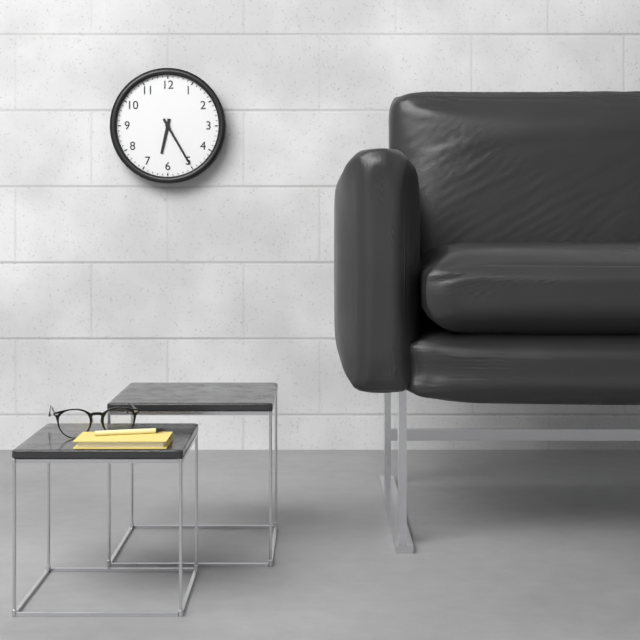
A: 6 h 25 min
